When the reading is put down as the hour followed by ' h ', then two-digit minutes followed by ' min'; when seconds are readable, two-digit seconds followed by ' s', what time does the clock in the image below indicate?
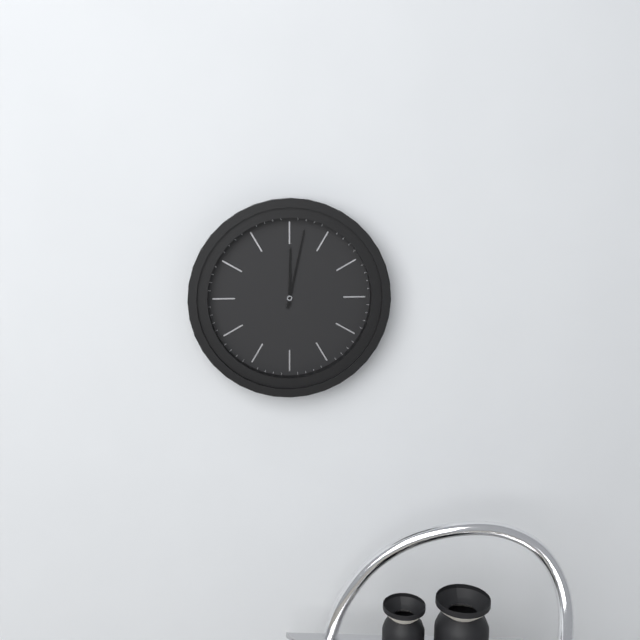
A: 12 h 02 min
